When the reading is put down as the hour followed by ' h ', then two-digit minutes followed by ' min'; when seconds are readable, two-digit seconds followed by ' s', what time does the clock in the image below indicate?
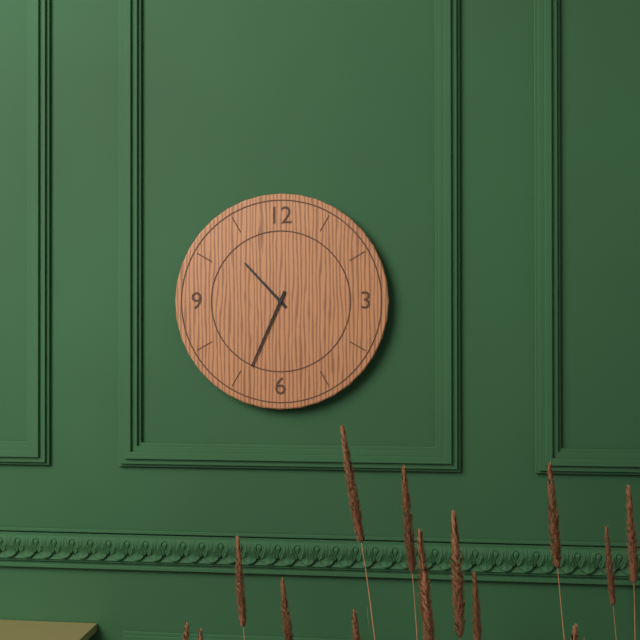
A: 10 h 34 min
